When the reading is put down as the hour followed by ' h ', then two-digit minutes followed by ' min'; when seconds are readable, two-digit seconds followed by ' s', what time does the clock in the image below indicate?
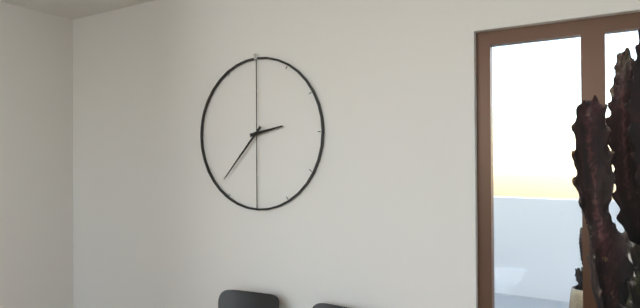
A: 2 h 37 min
